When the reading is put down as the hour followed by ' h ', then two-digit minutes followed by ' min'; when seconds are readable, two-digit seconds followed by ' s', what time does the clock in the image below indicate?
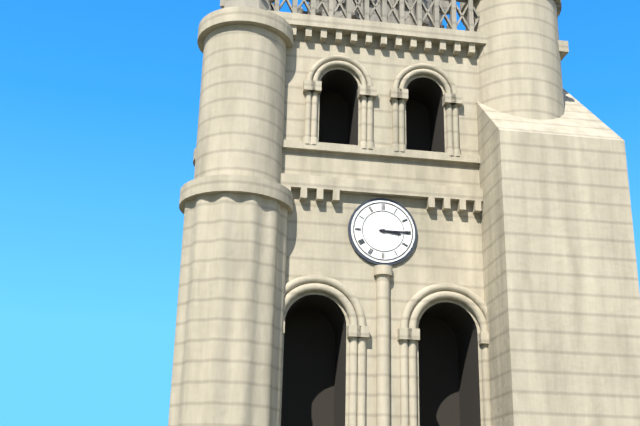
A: 3 h 15 min
